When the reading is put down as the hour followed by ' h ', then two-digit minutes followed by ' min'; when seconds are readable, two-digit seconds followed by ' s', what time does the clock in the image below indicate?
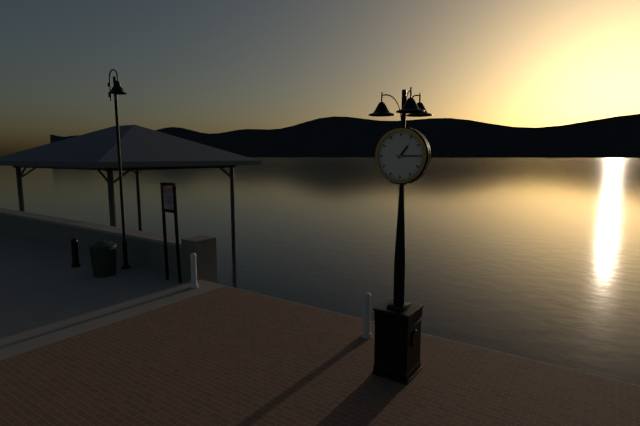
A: 1 h 15 min
